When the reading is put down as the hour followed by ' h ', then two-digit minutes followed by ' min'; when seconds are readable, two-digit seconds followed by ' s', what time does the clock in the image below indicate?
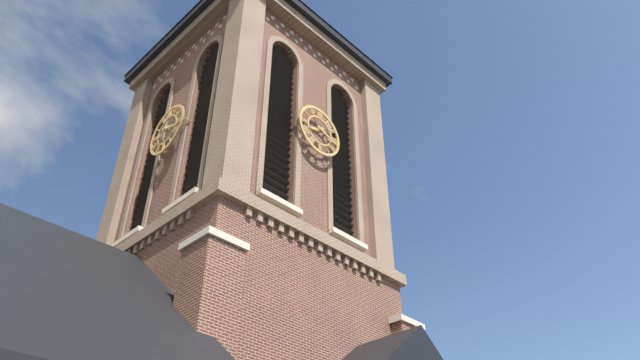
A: 8 h 18 min
